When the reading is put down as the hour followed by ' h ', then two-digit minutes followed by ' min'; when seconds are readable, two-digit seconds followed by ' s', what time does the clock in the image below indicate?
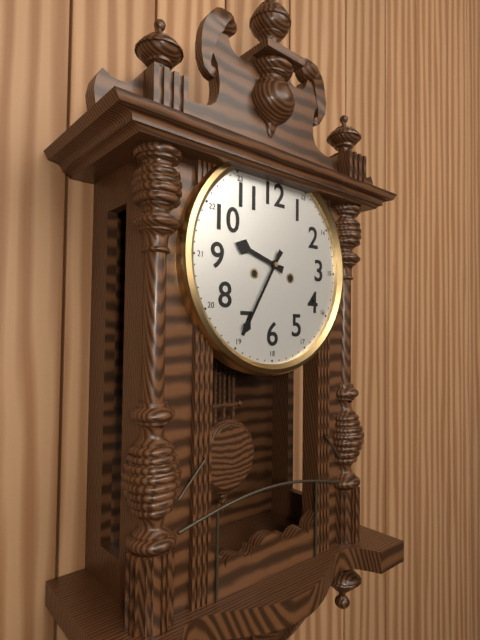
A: 9 h 35 min
